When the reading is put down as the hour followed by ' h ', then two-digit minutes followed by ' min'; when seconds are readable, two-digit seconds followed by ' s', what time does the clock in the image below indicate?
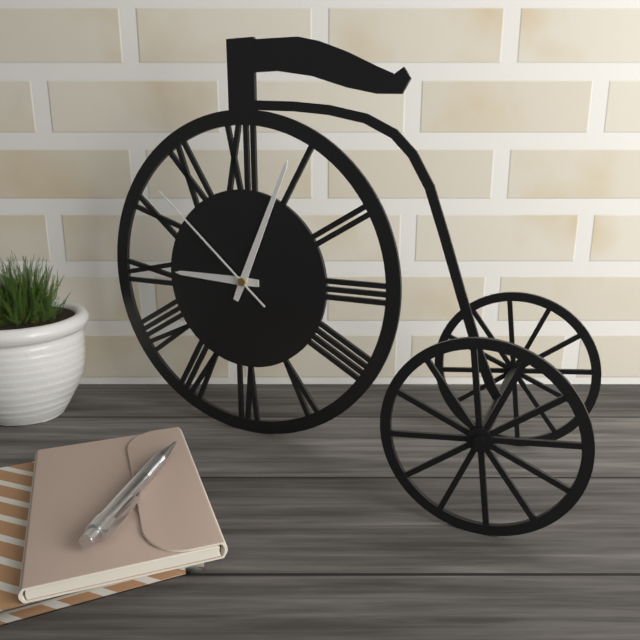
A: 9 h 04 min 52 s
